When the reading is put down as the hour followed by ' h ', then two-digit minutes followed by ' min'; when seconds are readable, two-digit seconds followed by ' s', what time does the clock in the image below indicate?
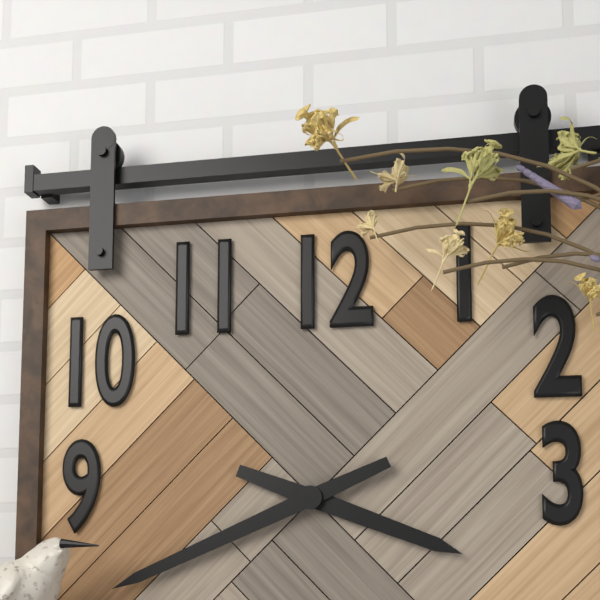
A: 3 h 41 min
